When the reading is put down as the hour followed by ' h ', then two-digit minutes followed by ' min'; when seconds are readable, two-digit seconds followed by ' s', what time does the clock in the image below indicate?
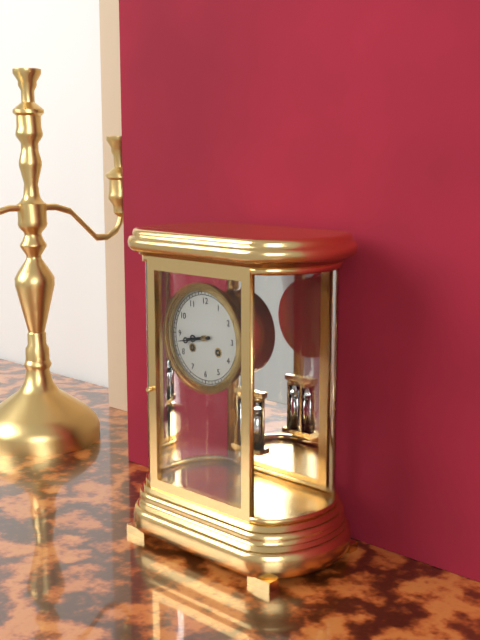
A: 8 h 43 min
